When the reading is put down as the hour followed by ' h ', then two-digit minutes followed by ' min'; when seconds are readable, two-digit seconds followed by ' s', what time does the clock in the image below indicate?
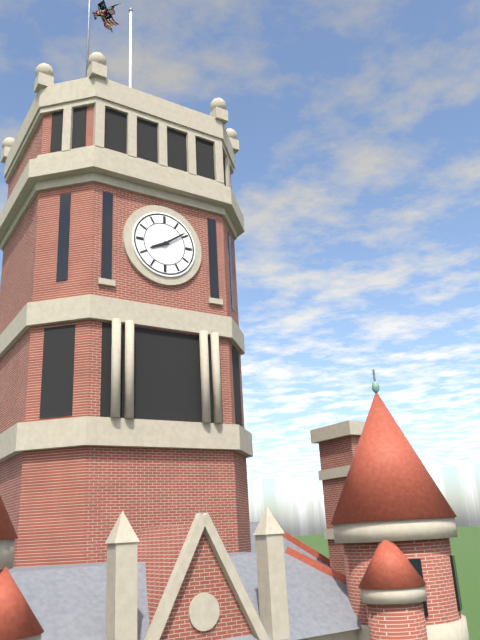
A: 8 h 09 min
